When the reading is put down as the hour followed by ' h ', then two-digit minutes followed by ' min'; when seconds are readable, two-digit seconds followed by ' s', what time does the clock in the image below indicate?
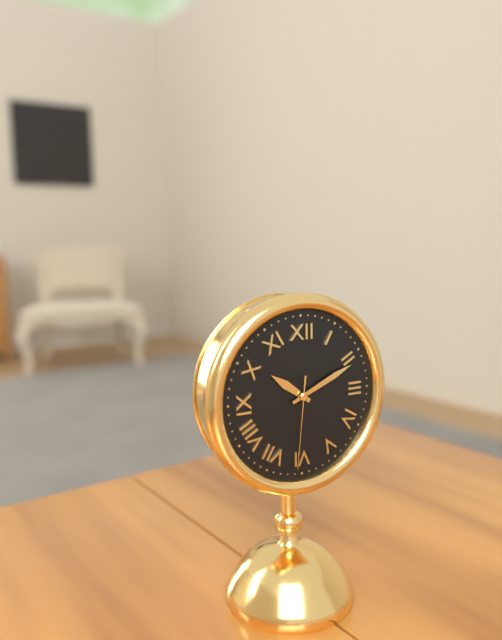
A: 10 h 11 min 31 s
